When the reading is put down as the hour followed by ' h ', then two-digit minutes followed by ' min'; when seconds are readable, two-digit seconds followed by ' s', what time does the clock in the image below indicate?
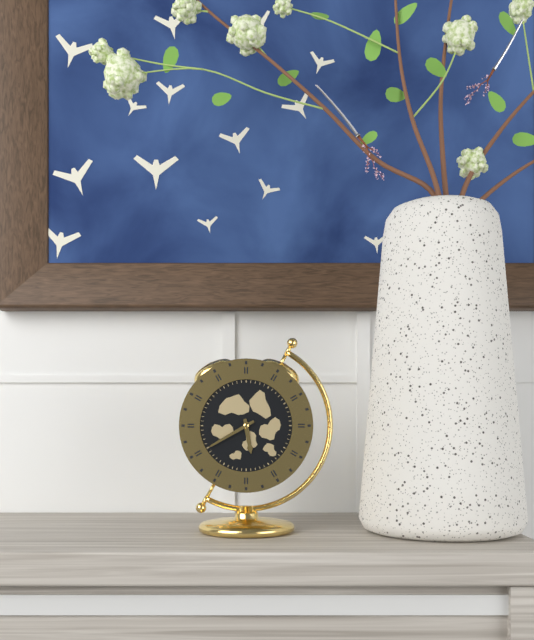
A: 5 h 40 min
